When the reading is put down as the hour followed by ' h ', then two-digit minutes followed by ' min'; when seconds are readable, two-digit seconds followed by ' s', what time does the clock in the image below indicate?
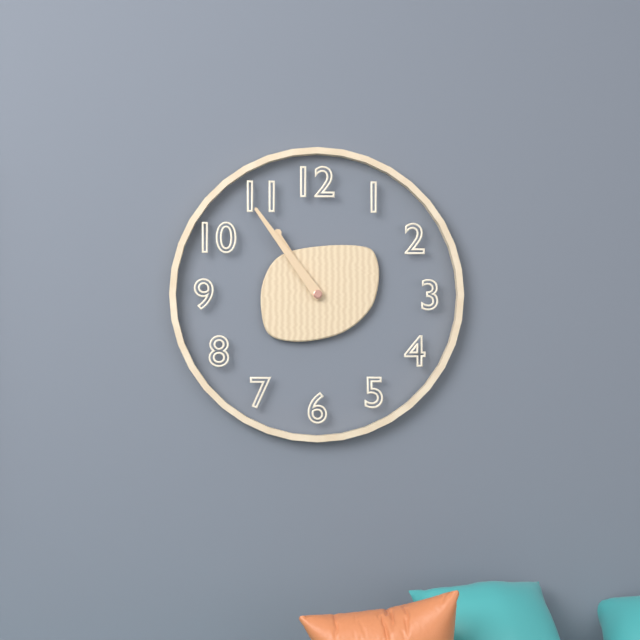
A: 10 h 54 min
